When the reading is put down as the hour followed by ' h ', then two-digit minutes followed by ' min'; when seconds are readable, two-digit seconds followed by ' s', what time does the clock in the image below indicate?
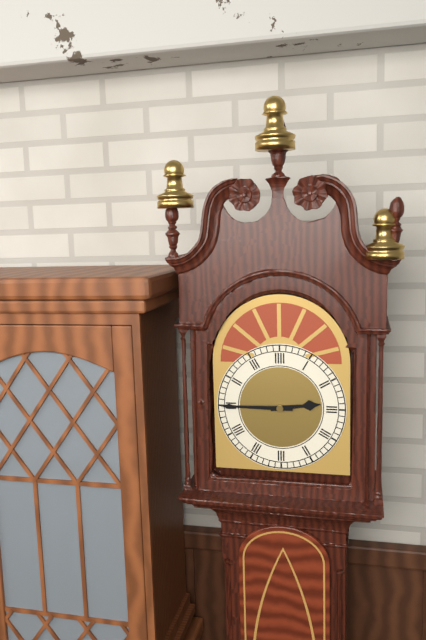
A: 2 h 45 min
